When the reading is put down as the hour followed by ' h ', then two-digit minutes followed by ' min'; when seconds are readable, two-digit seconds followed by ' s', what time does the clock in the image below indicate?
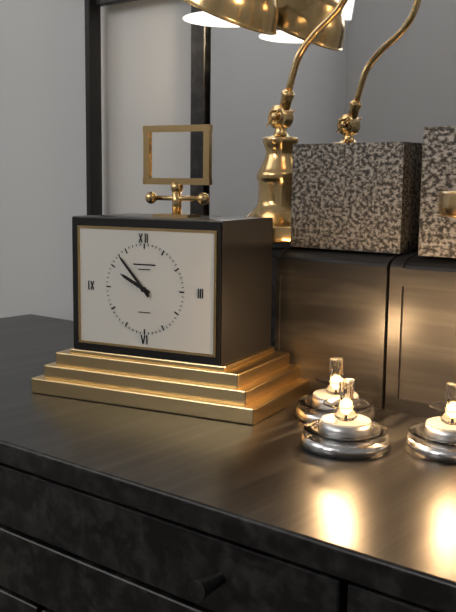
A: 9 h 53 min
